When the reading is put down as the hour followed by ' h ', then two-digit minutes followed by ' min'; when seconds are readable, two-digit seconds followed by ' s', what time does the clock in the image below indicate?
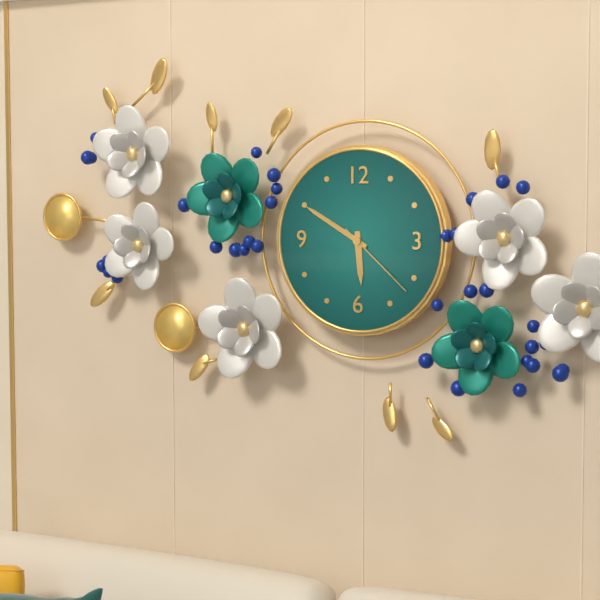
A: 5 h 50 min 22 s
